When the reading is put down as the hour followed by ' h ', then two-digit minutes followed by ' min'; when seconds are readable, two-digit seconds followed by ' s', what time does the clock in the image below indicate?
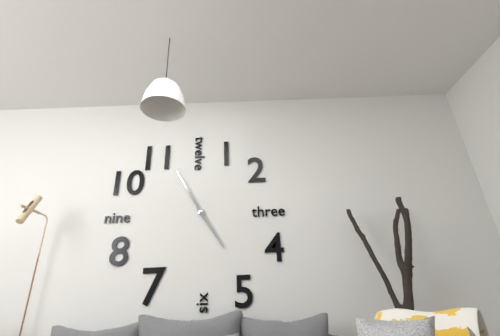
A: 4 h 55 min
